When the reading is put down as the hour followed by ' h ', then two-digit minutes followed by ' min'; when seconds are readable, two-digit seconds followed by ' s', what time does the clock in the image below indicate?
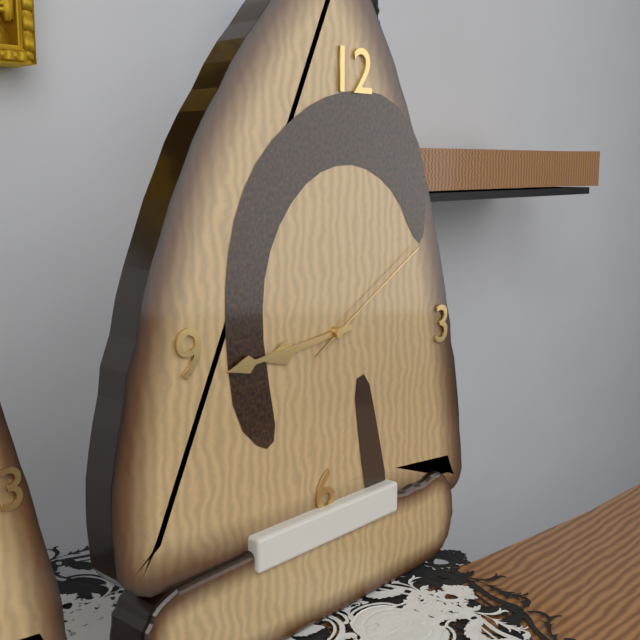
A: 8 h 44 min 10 s
